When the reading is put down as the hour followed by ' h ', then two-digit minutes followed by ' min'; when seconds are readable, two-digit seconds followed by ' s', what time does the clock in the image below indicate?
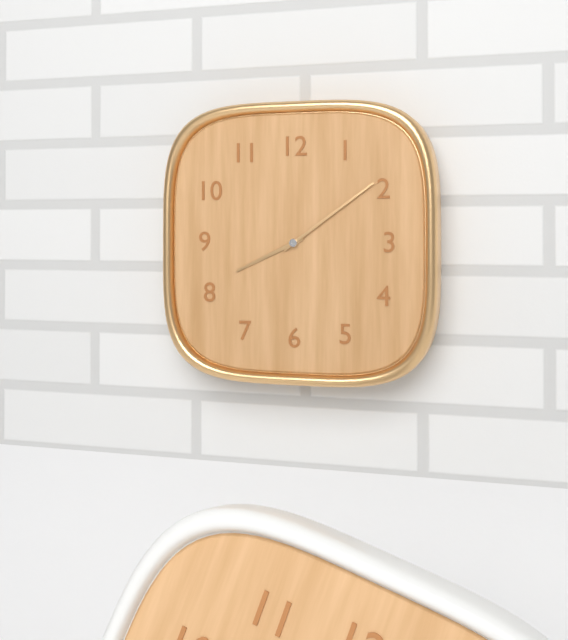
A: 8 h 09 min
